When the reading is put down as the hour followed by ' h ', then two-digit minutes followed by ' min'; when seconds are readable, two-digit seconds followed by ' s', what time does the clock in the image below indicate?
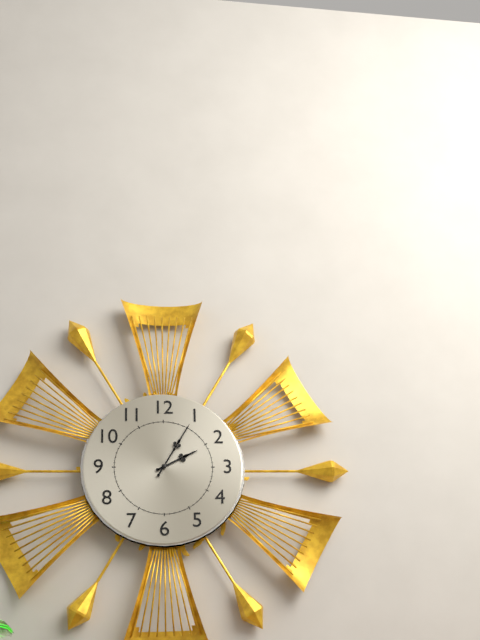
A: 2 h 05 min
